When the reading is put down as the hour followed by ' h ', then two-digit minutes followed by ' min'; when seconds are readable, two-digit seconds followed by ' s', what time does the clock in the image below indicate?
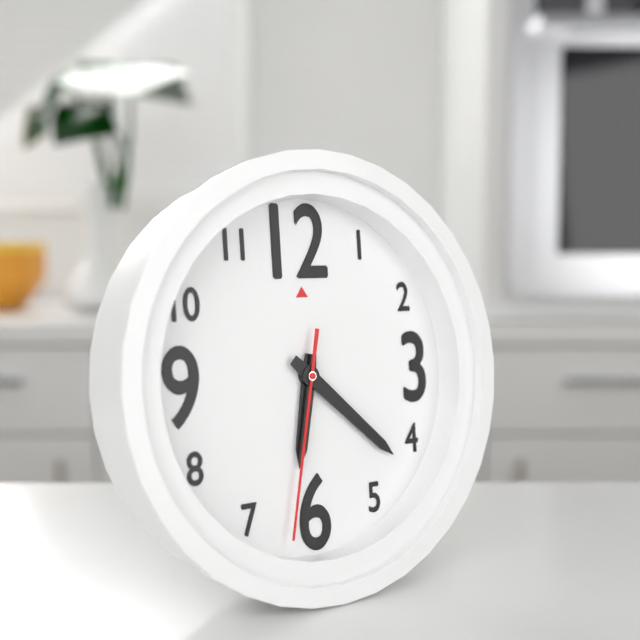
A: 6 h 22 min 32 s
